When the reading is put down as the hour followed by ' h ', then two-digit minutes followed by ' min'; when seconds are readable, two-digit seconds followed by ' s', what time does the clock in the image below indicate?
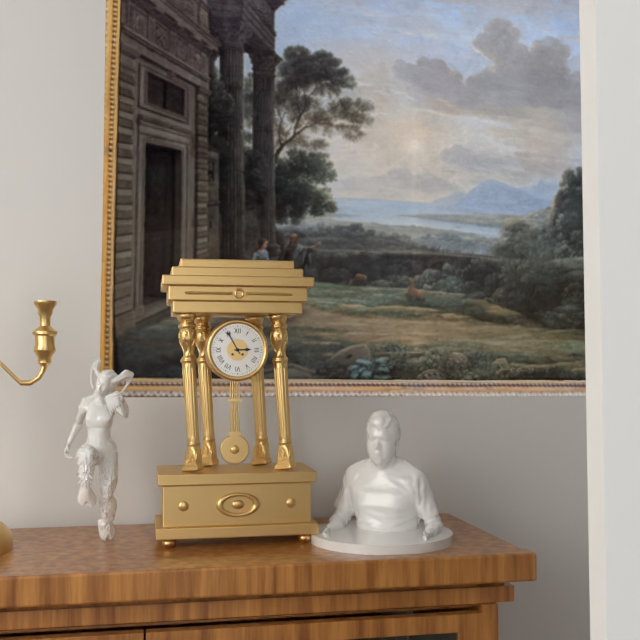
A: 2 h 55 min
